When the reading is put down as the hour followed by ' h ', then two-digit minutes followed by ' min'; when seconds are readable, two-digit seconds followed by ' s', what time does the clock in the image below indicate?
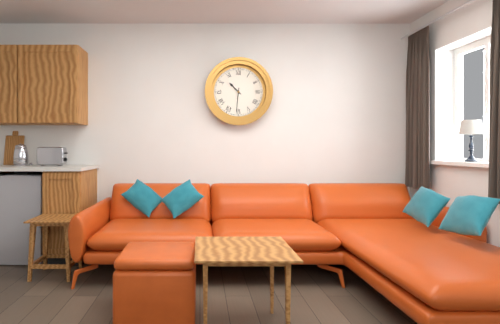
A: 10 h 31 min
